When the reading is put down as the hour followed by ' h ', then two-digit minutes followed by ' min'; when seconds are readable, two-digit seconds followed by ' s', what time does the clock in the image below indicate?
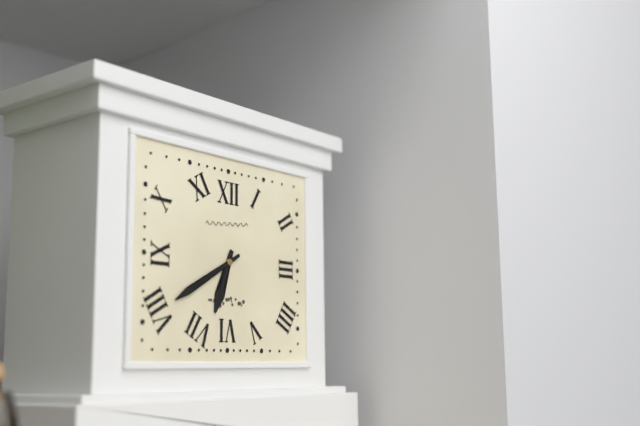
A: 6 h 40 min
